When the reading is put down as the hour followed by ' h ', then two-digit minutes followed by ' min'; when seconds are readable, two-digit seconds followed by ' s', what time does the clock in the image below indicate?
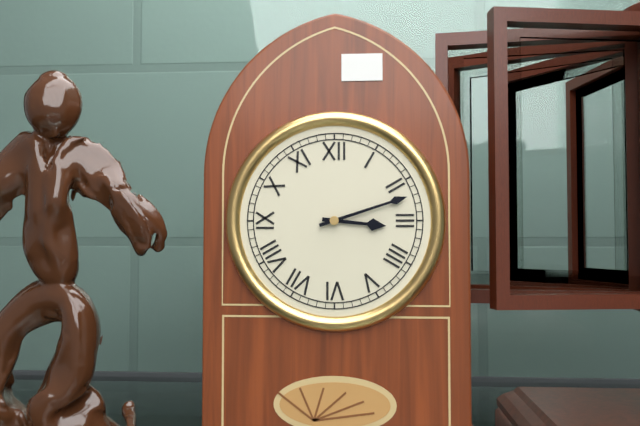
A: 3 h 12 min
